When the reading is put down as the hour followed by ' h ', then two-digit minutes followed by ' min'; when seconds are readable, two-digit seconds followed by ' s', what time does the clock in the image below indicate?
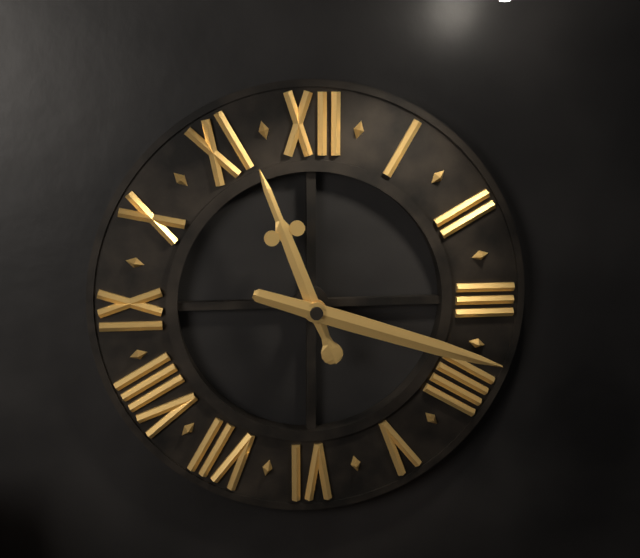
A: 11 h 18 min
